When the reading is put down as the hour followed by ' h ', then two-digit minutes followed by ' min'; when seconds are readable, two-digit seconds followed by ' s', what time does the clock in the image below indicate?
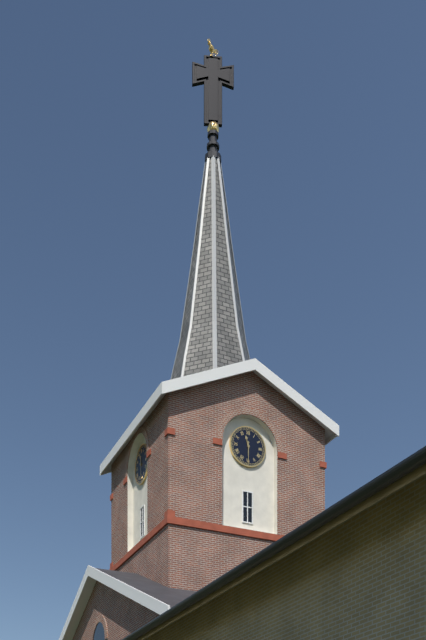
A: 11 h 30 min
